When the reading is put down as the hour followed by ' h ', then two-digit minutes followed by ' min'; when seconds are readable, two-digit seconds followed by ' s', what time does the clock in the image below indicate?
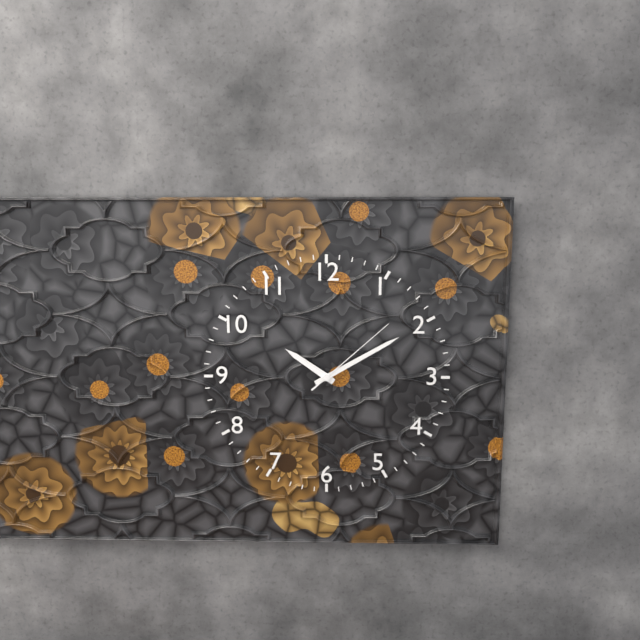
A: 10 h 10 min 08 s
